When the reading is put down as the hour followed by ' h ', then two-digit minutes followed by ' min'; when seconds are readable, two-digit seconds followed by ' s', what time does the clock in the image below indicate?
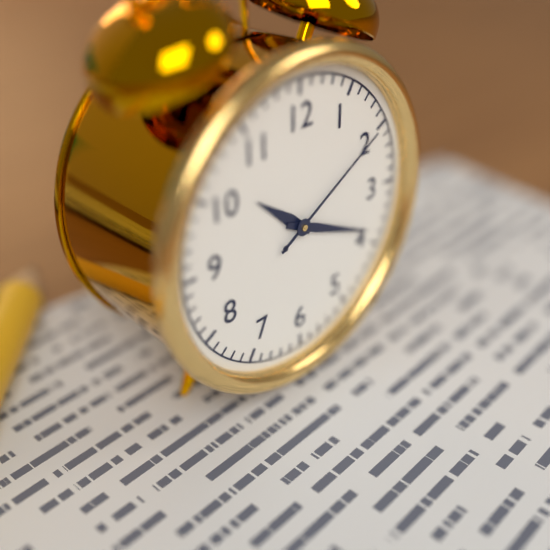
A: 10 h 19 min 10 s
